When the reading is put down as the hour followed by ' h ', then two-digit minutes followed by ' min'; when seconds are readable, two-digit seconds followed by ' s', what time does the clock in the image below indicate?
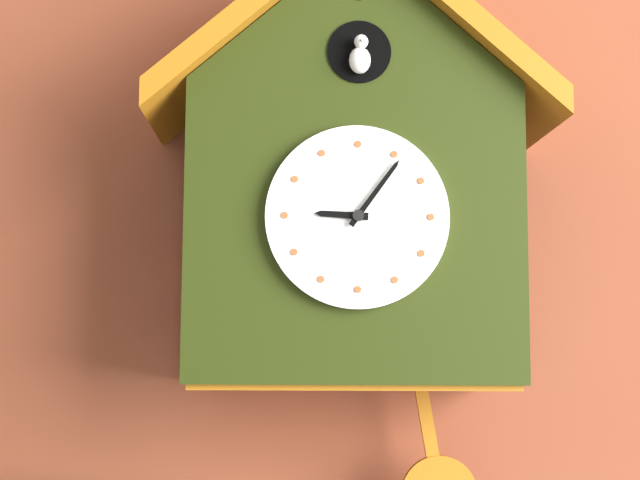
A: 9 h 06 min
